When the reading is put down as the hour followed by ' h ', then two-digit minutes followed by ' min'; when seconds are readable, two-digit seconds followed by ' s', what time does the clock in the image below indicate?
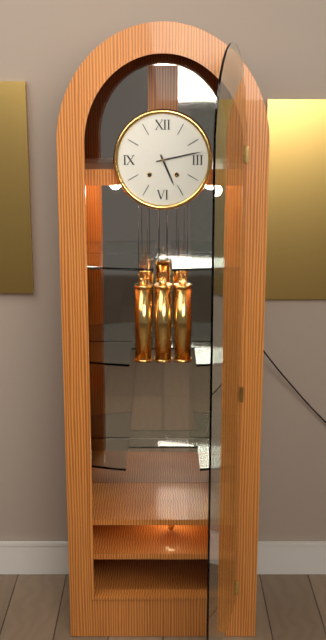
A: 5 h 13 min
